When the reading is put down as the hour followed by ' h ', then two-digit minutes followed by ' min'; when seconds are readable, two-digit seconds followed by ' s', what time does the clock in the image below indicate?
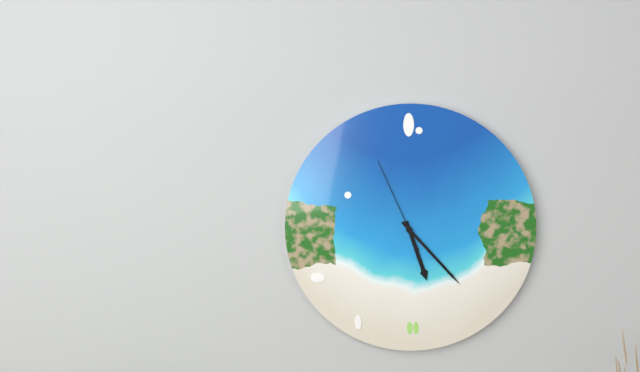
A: 5 h 23 min 56 s
